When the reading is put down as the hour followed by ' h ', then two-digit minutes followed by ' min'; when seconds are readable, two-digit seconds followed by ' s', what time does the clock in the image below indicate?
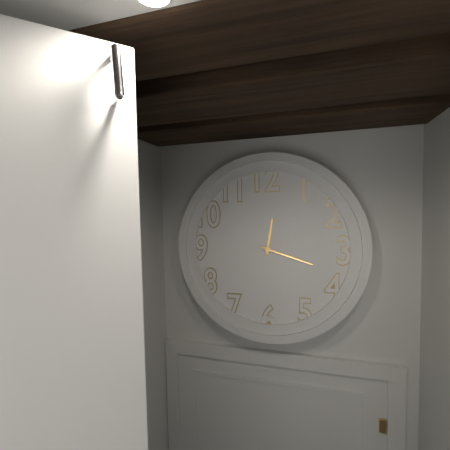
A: 12 h 18 min
